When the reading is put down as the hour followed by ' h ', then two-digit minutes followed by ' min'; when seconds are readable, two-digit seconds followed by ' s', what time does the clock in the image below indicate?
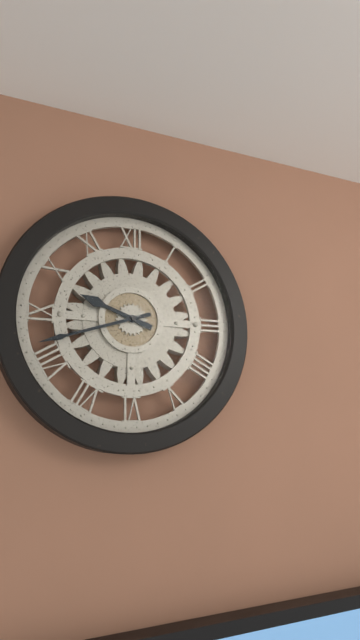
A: 9 h 42 min
